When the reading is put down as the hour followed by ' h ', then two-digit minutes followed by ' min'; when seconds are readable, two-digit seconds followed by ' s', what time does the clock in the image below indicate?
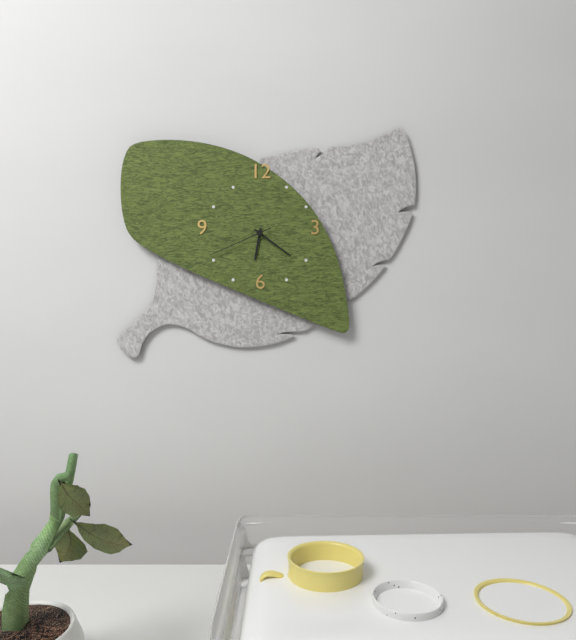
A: 6 h 21 min 41 s
